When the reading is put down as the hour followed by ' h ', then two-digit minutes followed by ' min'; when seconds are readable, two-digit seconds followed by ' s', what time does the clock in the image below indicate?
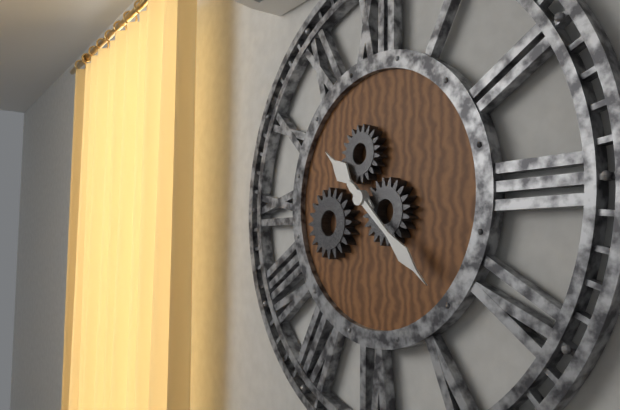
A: 10 h 22 min
